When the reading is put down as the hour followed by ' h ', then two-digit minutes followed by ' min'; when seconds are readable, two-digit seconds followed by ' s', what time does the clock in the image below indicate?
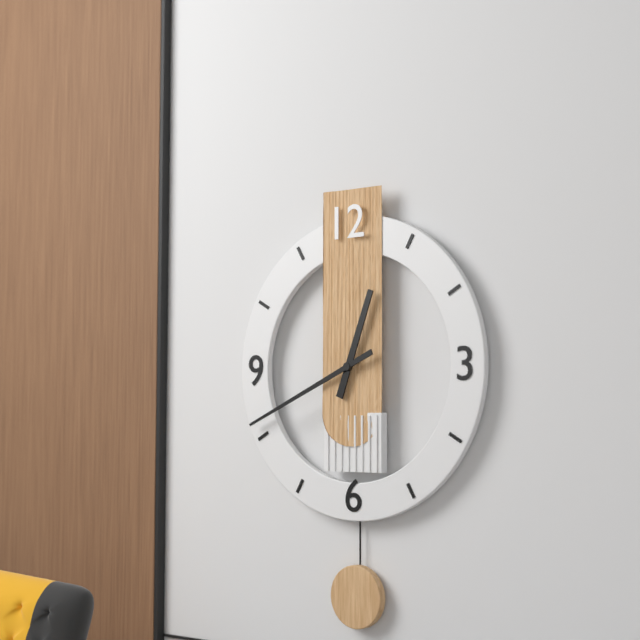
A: 12 h 41 min
